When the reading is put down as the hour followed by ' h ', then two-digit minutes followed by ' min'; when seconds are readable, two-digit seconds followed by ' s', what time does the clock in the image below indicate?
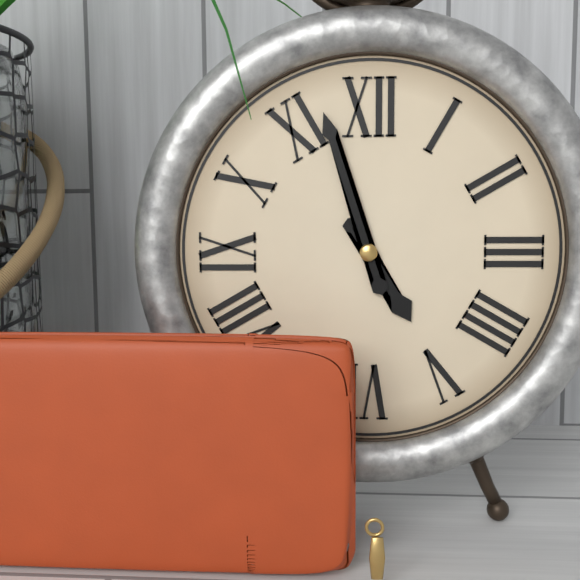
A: 4 h 57 min
